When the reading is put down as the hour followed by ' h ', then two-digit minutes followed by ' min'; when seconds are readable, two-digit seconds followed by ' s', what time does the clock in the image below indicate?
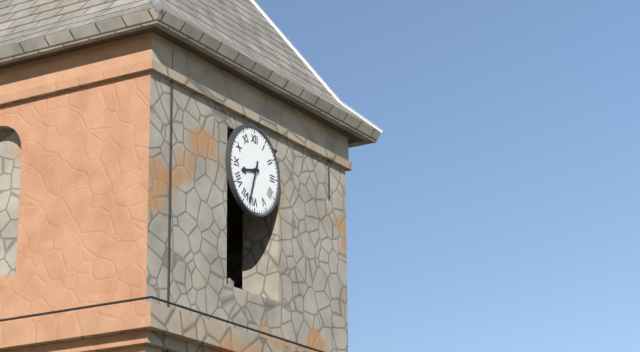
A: 8 h 33 min
